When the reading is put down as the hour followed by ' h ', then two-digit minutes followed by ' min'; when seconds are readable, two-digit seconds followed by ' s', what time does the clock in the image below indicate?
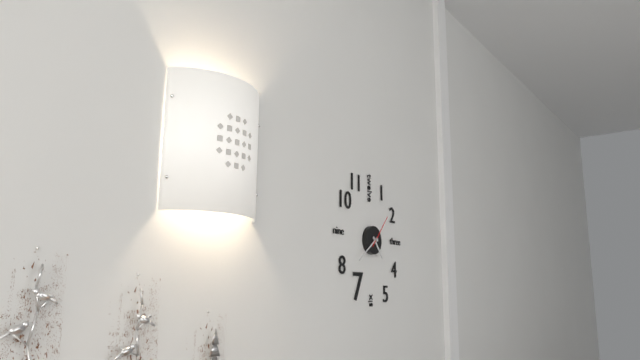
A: 4 h 39 min
